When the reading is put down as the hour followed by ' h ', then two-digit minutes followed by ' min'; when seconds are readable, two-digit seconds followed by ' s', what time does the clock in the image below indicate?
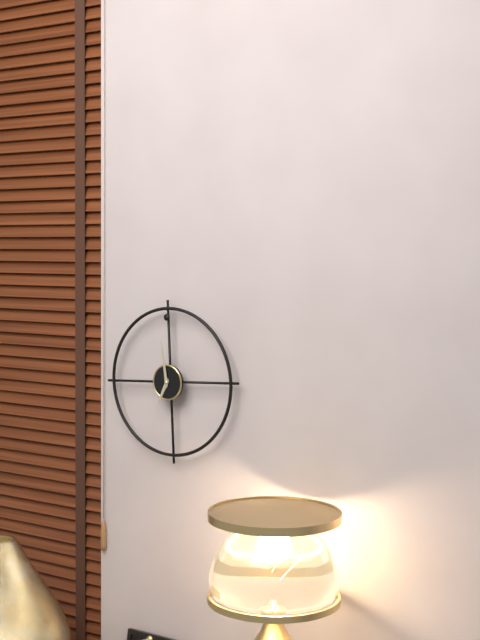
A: 6 h 59 min
